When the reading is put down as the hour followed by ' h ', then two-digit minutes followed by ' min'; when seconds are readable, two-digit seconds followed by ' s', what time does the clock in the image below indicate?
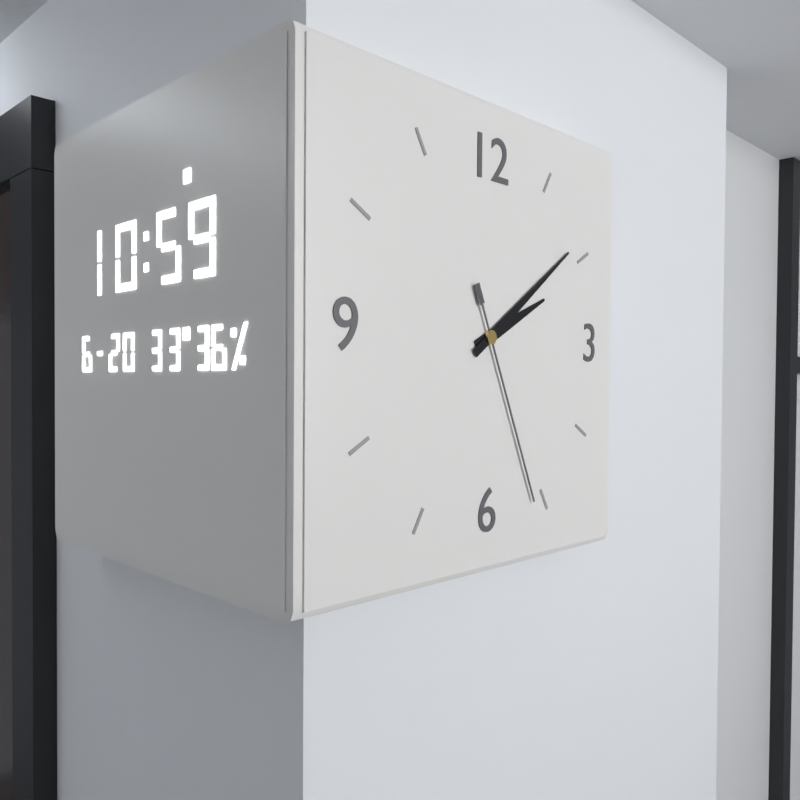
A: 2 h 09 min 26 s
